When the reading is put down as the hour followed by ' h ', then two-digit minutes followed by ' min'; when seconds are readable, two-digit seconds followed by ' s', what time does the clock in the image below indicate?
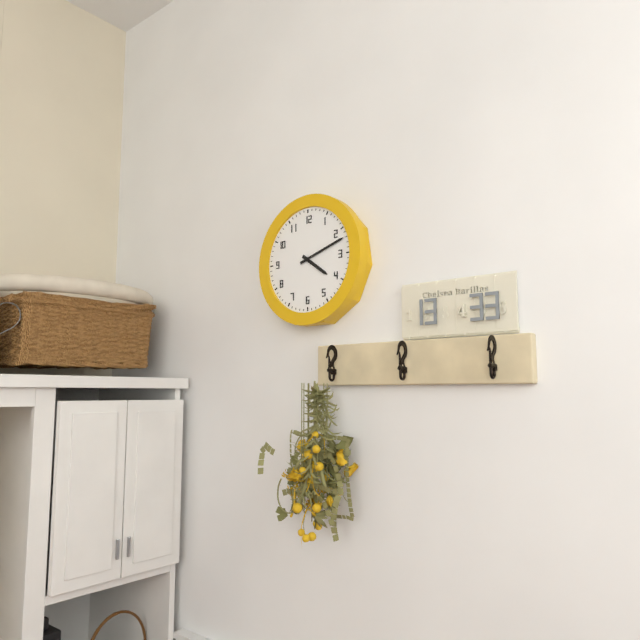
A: 4 h 12 min
